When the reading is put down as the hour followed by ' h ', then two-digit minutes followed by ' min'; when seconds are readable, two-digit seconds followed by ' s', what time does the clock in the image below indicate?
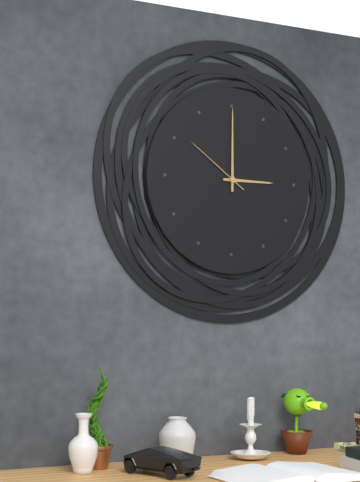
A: 3 h 00 min 51 s
